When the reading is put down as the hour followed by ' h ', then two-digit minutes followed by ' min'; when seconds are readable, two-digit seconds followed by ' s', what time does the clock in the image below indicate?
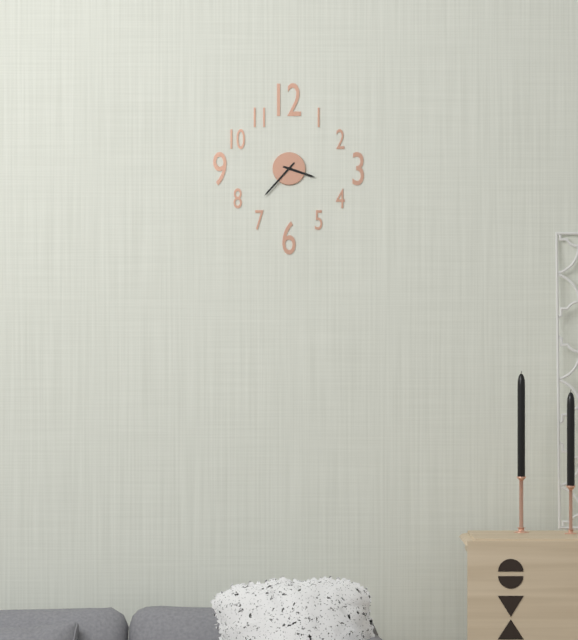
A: 3 h 37 min
